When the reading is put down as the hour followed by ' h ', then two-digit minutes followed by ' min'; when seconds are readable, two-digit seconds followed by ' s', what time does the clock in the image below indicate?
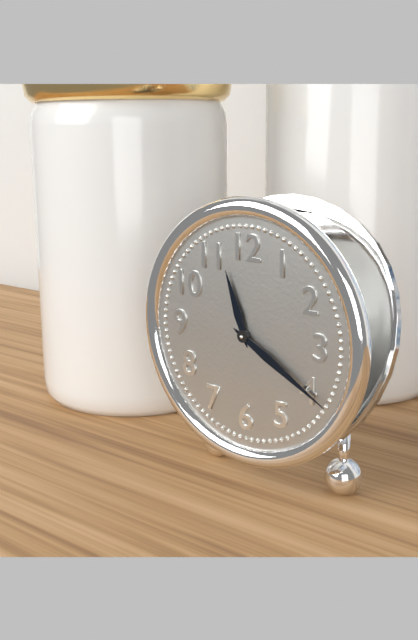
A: 11 h 20 min
